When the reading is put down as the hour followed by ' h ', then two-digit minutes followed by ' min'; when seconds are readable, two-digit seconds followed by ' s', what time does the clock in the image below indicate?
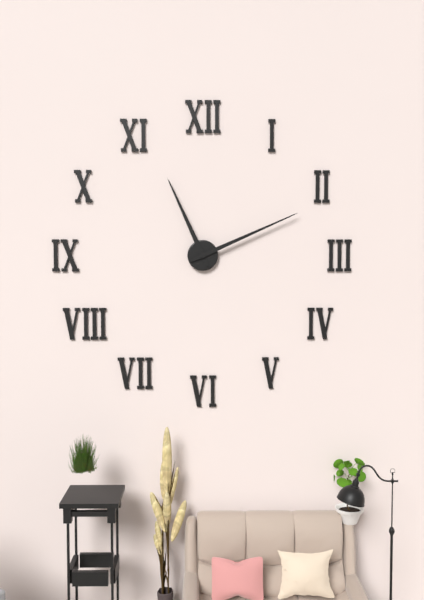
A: 11 h 11 min
